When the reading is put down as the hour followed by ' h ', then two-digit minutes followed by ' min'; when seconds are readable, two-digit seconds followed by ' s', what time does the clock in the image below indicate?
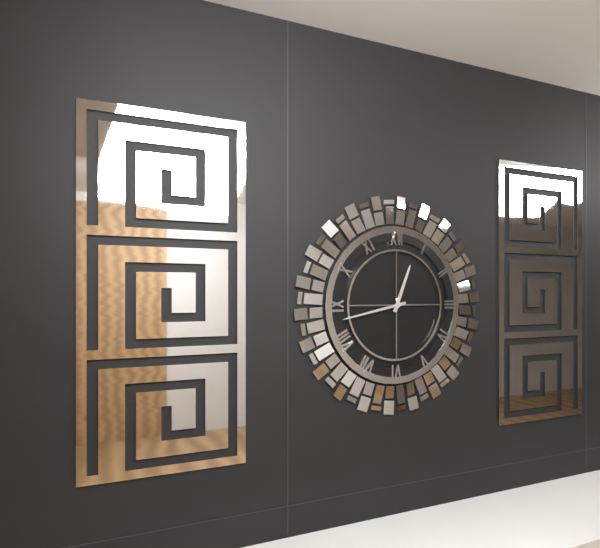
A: 12 h 43 min
